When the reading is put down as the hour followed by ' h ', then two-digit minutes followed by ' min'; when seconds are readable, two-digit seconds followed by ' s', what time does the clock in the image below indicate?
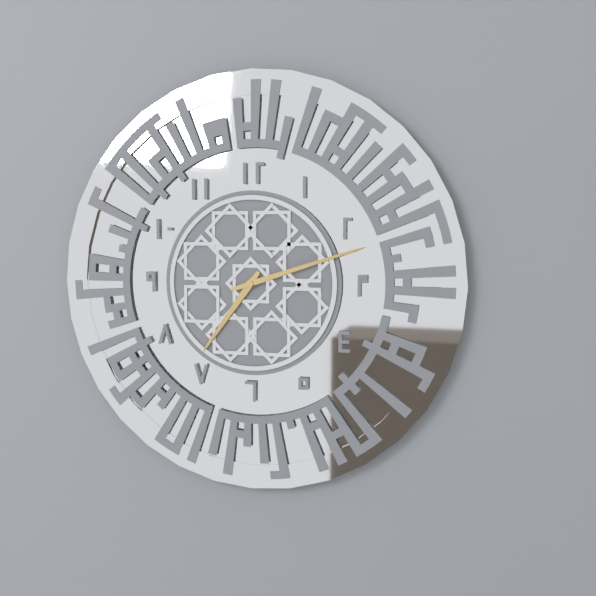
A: 7 h 12 min
